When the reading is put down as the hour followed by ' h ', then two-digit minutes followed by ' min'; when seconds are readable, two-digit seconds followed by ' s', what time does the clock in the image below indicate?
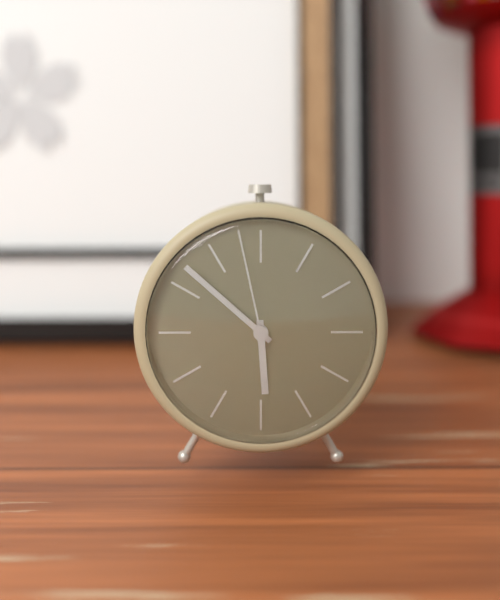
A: 5 h 52 min 58 s
